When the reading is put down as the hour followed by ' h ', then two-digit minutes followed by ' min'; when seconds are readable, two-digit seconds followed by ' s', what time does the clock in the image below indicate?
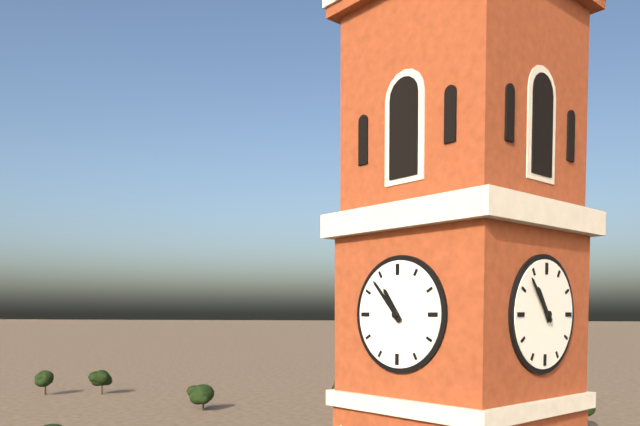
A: 10 h 53 min
